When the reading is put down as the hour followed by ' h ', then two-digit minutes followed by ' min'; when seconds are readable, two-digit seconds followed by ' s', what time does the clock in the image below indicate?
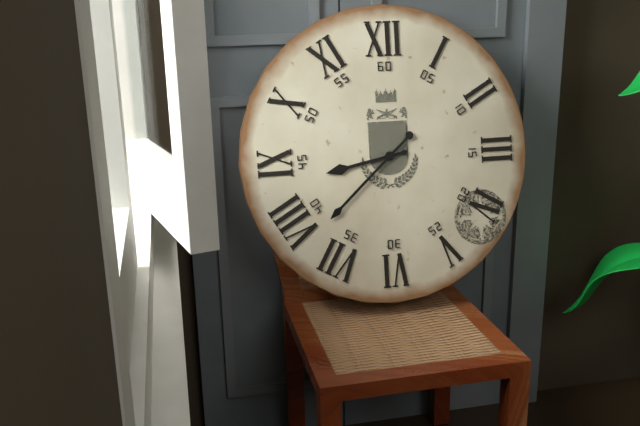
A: 8 h 38 min
